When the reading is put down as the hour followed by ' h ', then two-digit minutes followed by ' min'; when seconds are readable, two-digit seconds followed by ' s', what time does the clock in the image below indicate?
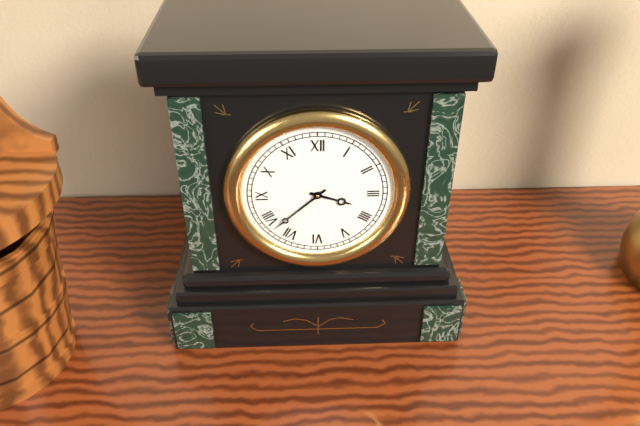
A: 3 h 38 min
